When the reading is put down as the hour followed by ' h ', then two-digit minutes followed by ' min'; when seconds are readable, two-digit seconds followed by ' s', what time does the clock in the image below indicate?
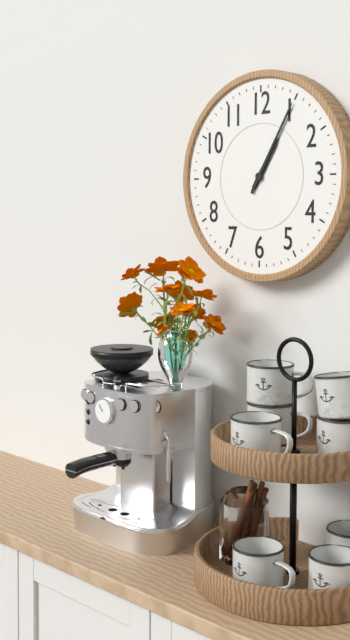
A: 1 h 05 min
